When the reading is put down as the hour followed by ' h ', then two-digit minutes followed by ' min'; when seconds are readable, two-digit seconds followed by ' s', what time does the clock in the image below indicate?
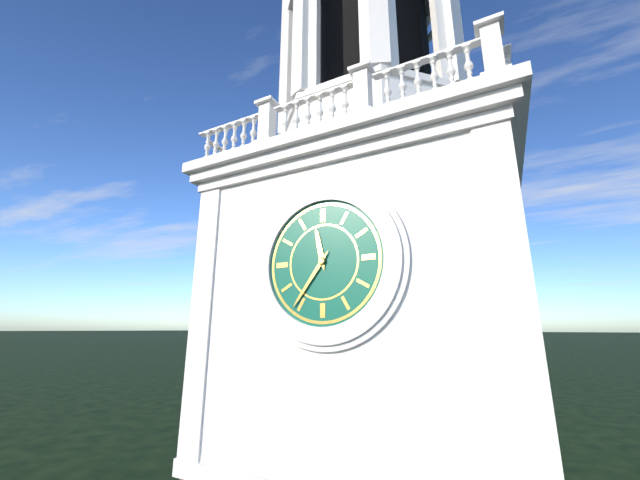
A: 11 h 36 min
